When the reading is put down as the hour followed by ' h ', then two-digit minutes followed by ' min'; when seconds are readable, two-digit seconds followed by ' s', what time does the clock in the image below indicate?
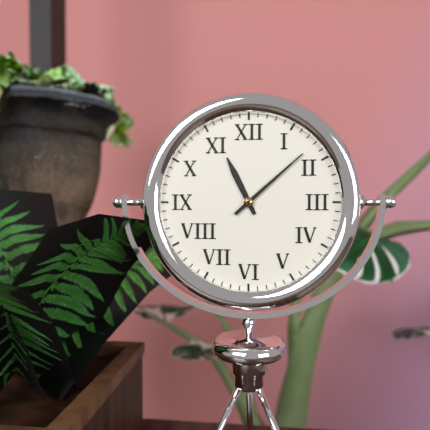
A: 11 h 08 min
